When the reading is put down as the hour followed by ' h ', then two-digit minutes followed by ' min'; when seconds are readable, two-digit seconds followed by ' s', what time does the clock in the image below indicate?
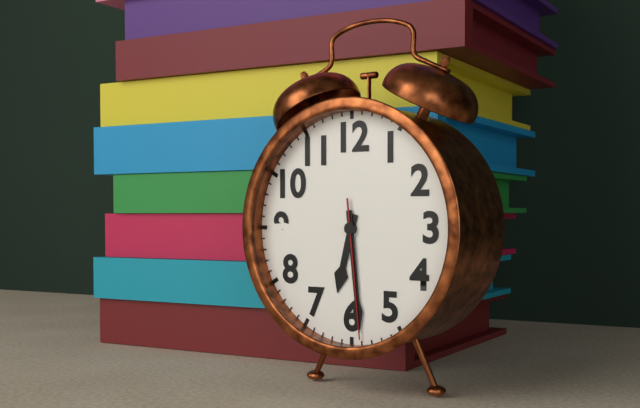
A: 6 h 29 min 29 s
